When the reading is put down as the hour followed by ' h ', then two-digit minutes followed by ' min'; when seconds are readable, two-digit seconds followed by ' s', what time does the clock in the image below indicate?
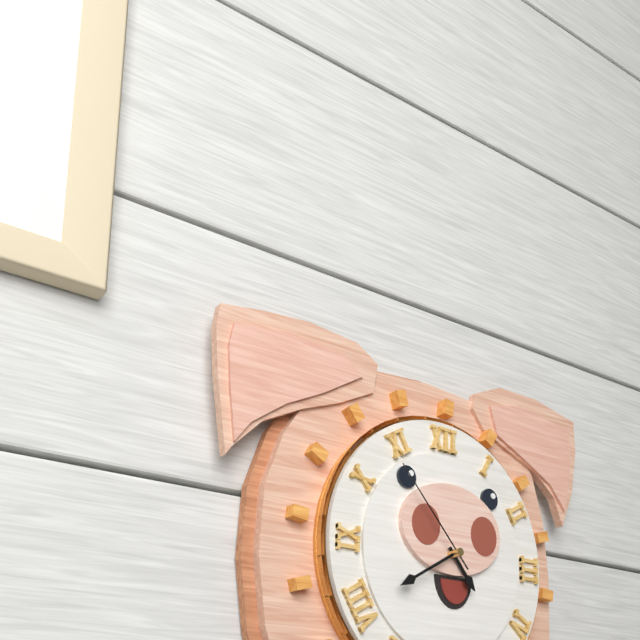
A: 4 h 40 min 53 s
